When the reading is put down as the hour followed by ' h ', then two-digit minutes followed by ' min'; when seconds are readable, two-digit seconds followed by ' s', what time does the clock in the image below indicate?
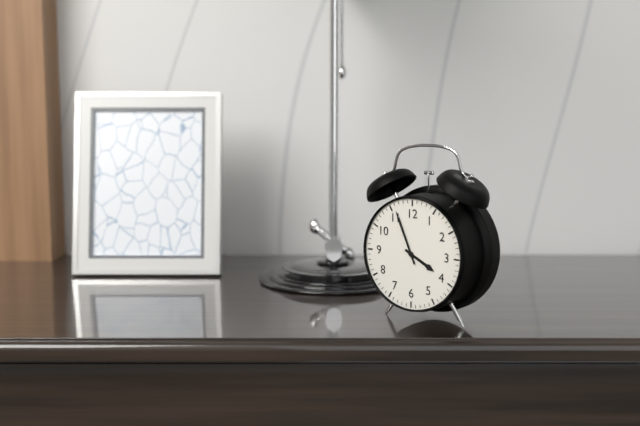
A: 3 h 56 min
